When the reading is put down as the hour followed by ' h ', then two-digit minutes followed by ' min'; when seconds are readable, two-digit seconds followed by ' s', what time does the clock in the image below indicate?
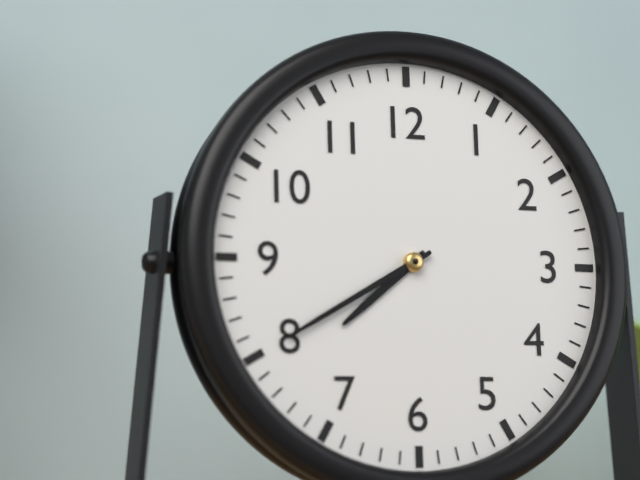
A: 7 h 40 min
